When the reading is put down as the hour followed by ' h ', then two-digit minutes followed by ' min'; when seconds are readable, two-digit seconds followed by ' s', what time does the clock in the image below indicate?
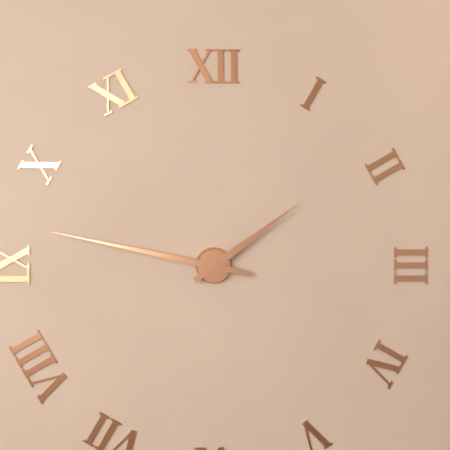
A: 1 h 47 min
